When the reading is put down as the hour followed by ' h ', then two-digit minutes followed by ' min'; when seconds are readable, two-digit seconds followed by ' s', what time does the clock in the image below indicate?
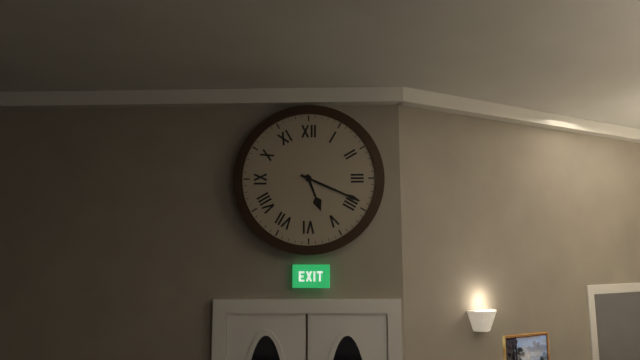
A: 5 h 19 min
